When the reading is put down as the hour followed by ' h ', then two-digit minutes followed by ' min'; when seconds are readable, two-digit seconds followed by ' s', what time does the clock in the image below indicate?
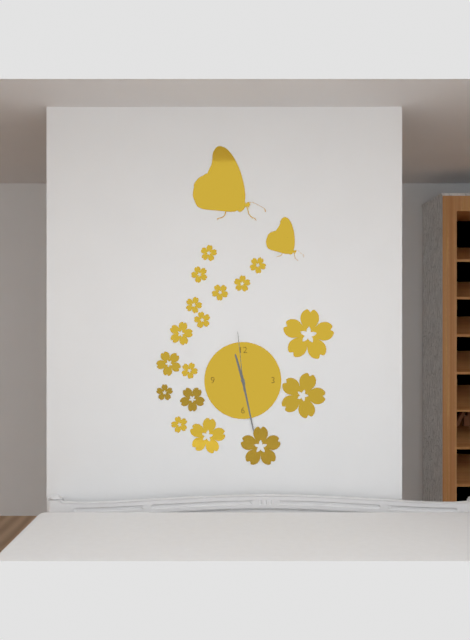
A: 11 h 28 min 59 s
